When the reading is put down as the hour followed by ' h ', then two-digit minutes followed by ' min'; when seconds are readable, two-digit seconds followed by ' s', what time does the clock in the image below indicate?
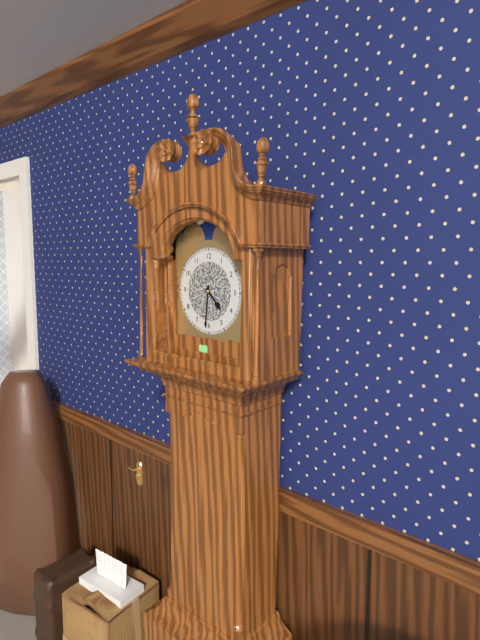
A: 4 h 31 min
